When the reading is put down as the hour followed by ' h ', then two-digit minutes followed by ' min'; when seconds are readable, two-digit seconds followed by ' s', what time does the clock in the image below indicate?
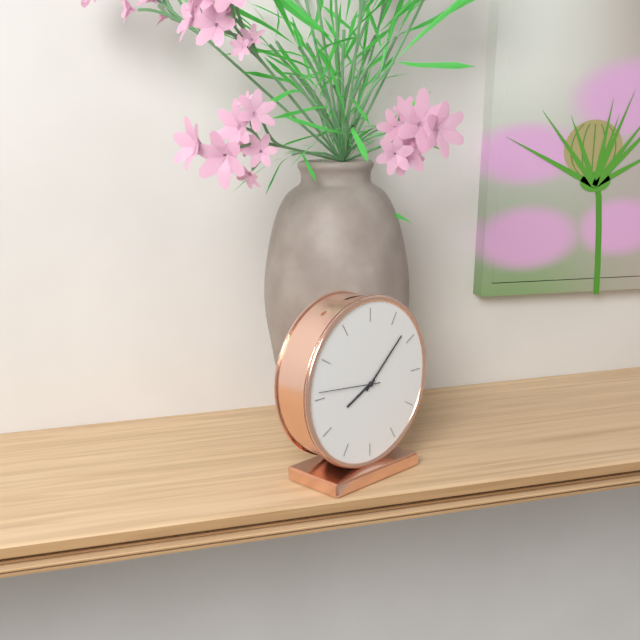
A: 8 h 08 min 46 s
